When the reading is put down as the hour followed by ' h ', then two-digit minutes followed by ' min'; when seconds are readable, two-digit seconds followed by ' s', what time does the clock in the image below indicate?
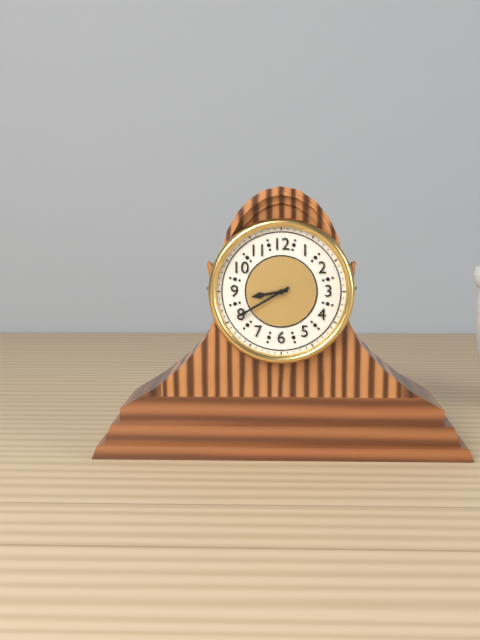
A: 8 h 40 min
